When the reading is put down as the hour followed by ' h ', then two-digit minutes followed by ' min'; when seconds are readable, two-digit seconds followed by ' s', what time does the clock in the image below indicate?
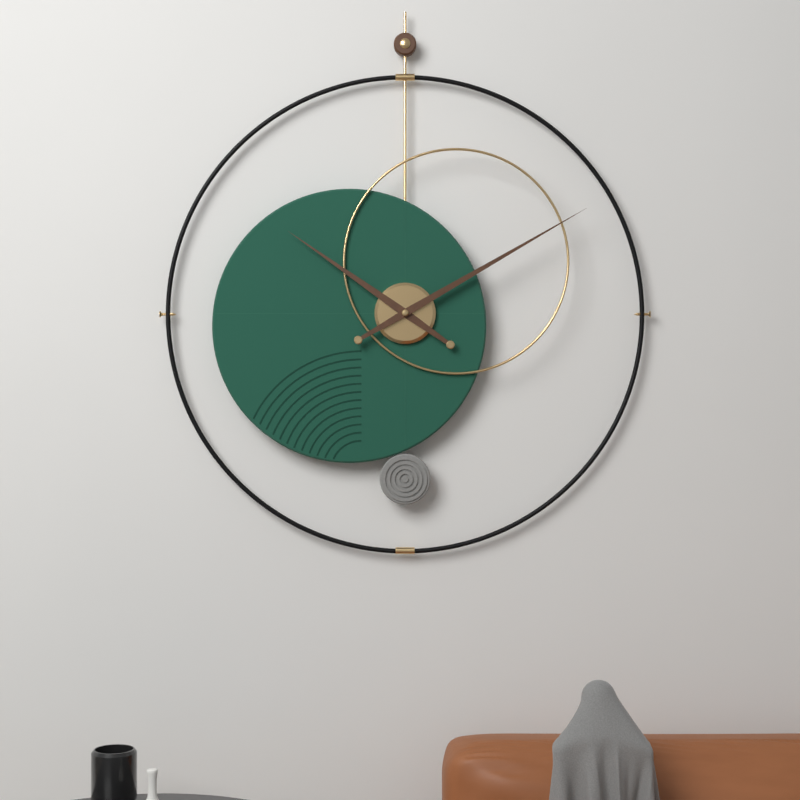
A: 10 h 10 min
